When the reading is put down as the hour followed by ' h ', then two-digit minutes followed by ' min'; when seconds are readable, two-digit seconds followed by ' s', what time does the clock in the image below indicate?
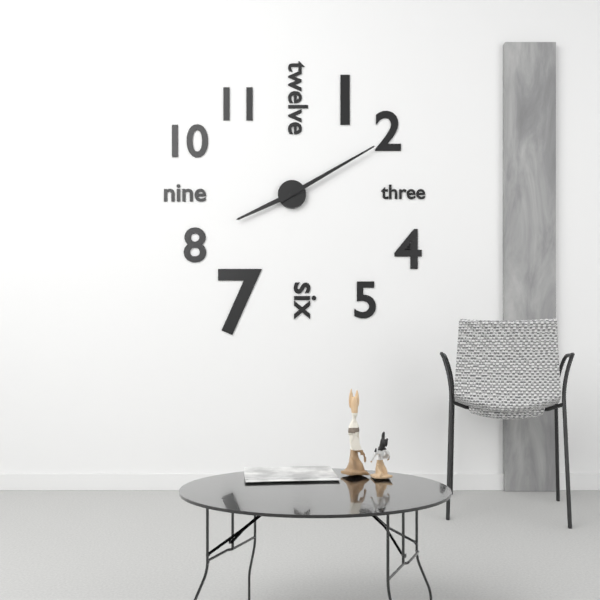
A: 8 h 10 min
